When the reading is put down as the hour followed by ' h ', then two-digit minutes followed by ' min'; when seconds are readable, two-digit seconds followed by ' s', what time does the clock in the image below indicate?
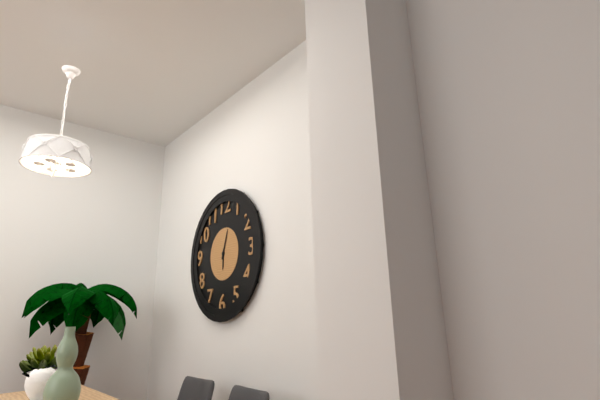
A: 6 h 03 min
